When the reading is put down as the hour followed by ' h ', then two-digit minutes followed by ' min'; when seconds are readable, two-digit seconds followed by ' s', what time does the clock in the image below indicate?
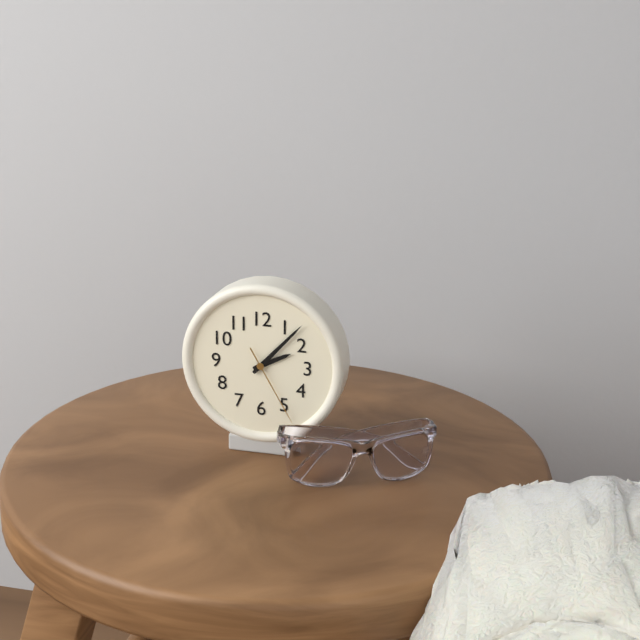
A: 2 h 07 min 25 s
